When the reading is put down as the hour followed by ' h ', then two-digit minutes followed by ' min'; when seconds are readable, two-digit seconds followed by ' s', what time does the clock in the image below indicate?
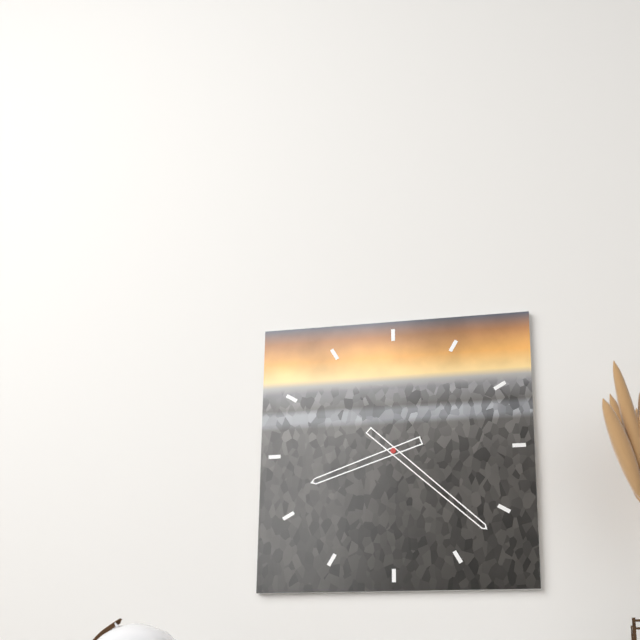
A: 8 h 22 min
